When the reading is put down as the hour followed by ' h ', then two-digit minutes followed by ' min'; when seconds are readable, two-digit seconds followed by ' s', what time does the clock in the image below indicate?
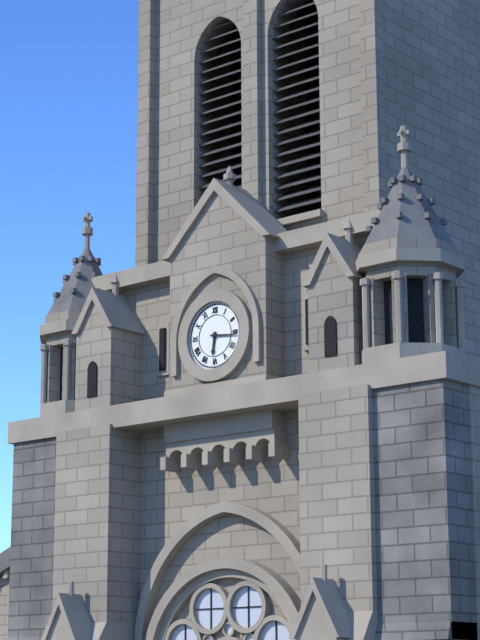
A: 6 h 16 min
